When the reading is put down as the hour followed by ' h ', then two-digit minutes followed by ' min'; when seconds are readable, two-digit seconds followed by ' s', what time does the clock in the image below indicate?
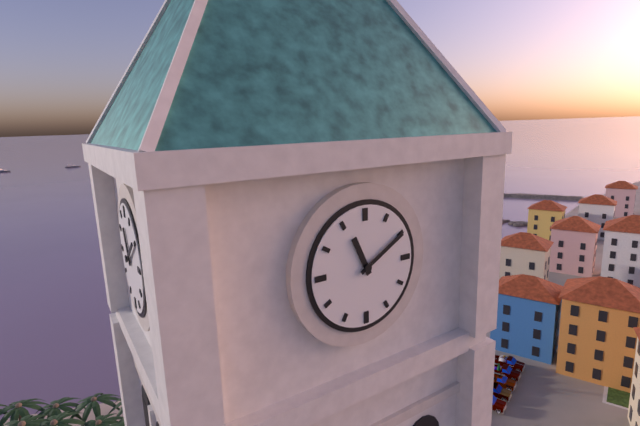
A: 11 h 10 min
